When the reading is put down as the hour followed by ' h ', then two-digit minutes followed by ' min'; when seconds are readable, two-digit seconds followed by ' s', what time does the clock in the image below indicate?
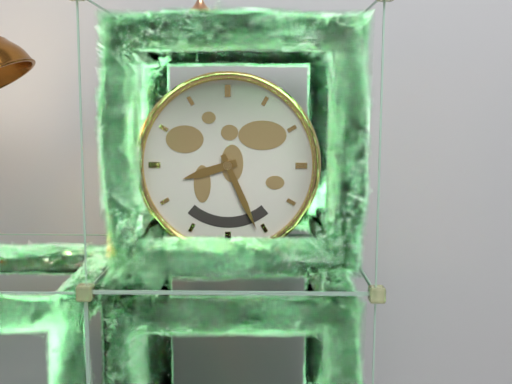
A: 8 h 26 min
